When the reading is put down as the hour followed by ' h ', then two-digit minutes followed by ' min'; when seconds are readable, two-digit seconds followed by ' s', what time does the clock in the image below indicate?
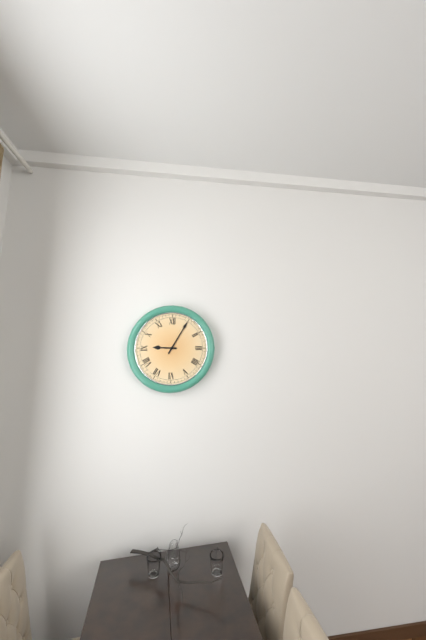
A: 9 h 05 min
